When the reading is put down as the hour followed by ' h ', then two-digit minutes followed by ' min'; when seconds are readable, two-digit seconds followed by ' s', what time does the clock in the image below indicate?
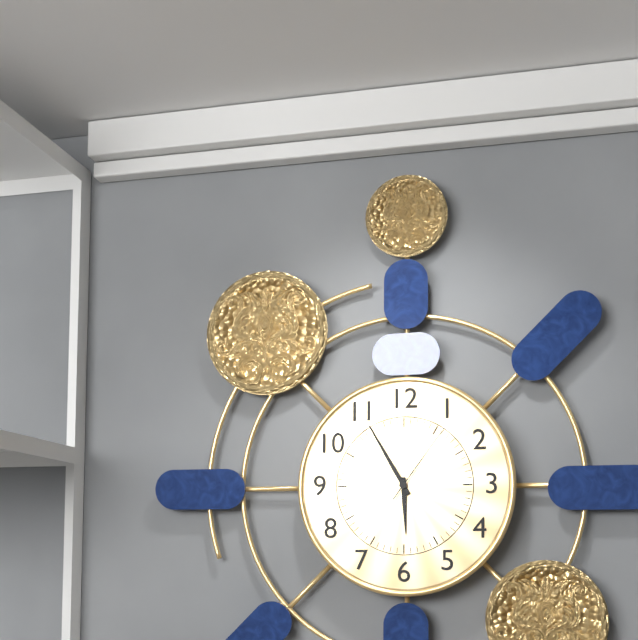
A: 5 h 55 min 06 s
